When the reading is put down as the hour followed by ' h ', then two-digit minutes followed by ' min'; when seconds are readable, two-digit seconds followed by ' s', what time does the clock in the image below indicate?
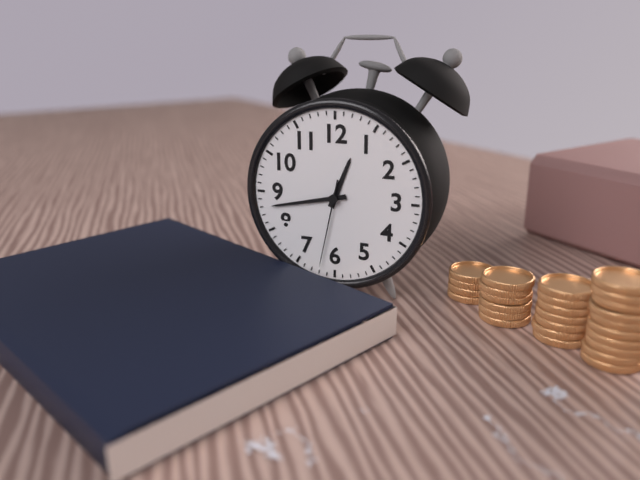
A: 12 h 43 min 32 s
